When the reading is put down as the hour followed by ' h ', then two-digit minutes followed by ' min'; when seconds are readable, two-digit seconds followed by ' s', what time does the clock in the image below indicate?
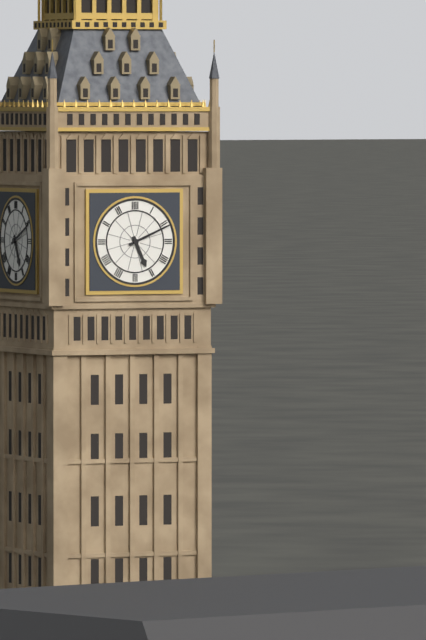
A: 5 h 11 min
